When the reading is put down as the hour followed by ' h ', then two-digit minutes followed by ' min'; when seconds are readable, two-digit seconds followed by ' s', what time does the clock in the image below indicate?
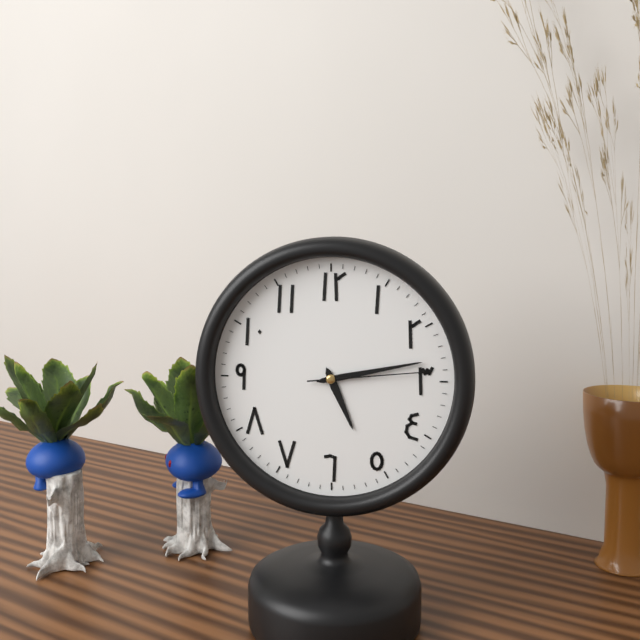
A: 5 h 13 min 14 s
